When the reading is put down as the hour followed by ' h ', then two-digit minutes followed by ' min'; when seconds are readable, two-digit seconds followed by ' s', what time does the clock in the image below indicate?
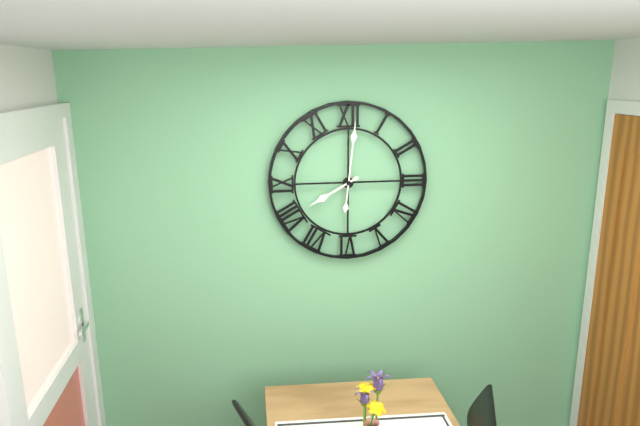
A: 8 h 01 min
